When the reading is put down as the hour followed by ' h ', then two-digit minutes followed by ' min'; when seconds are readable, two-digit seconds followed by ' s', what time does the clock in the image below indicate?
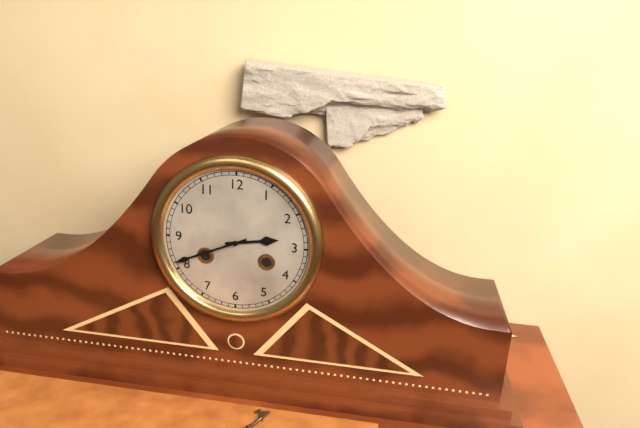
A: 2 h 41 min
